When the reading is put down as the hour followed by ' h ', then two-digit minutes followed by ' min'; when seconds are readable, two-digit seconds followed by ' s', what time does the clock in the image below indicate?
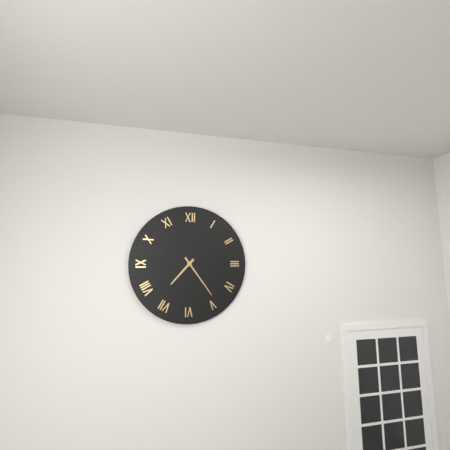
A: 7 h 24 min
